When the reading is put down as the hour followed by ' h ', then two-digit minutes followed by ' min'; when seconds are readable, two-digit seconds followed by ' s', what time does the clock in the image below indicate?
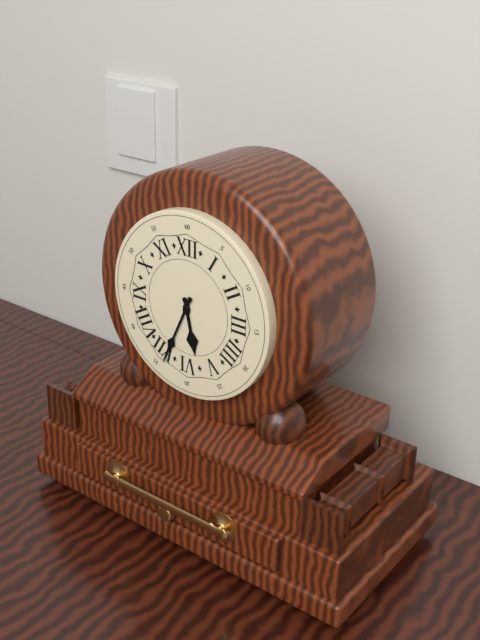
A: 5 h 34 min
